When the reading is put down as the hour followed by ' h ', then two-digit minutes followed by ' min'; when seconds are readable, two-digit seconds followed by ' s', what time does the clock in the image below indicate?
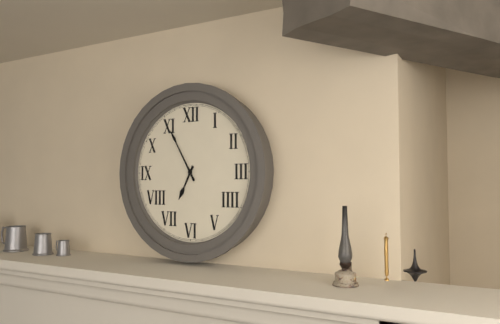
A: 6 h 55 min
